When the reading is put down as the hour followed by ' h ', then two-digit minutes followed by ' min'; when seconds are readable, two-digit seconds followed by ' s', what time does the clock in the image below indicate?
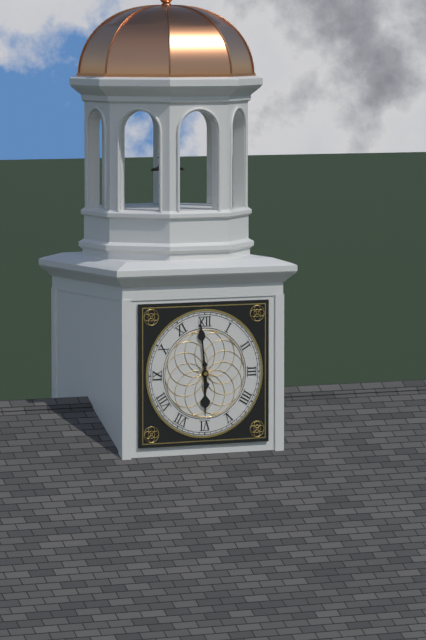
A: 5 h 59 min
